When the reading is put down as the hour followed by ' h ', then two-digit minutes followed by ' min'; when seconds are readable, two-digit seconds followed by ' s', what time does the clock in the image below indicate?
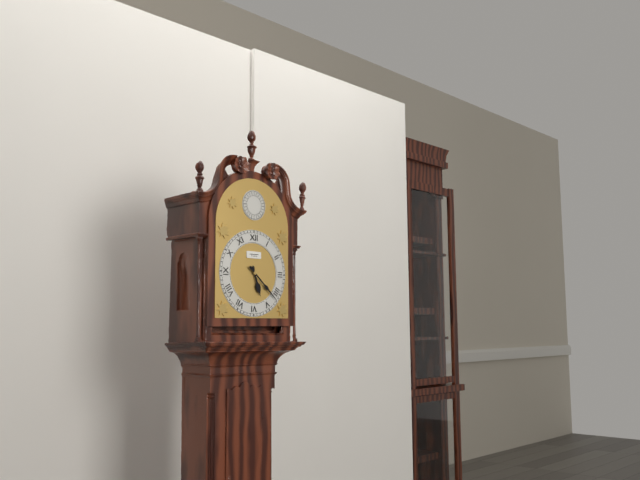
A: 5 h 22 min
